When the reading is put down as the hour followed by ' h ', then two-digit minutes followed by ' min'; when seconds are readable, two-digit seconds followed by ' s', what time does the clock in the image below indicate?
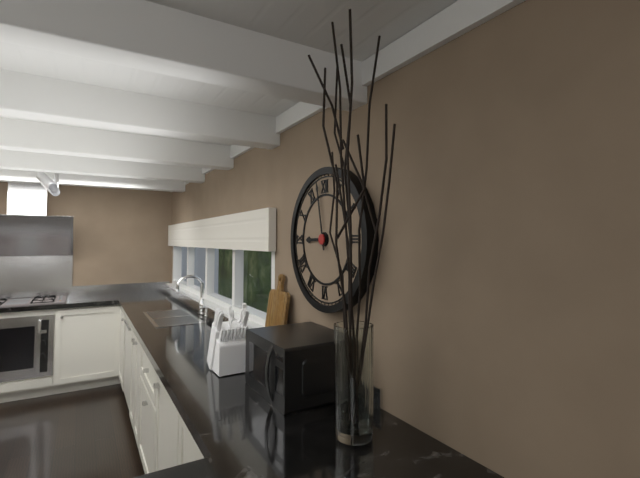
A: 8 h 58 min
